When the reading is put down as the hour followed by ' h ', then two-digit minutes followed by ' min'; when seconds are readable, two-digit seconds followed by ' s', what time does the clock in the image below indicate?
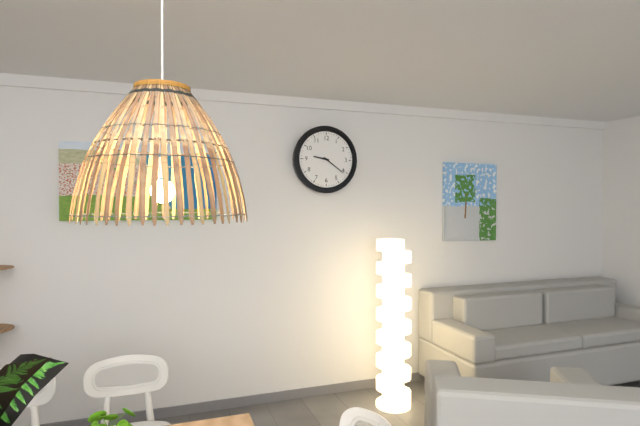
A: 9 h 21 min
